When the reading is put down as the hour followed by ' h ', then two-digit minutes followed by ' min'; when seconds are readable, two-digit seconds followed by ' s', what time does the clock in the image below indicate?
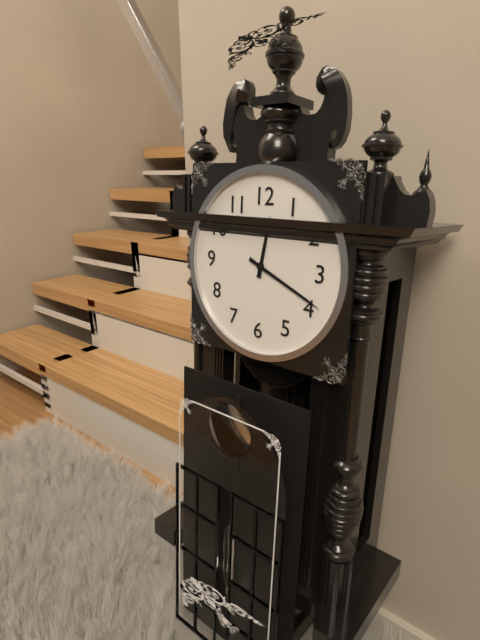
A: 12 h 19 min
